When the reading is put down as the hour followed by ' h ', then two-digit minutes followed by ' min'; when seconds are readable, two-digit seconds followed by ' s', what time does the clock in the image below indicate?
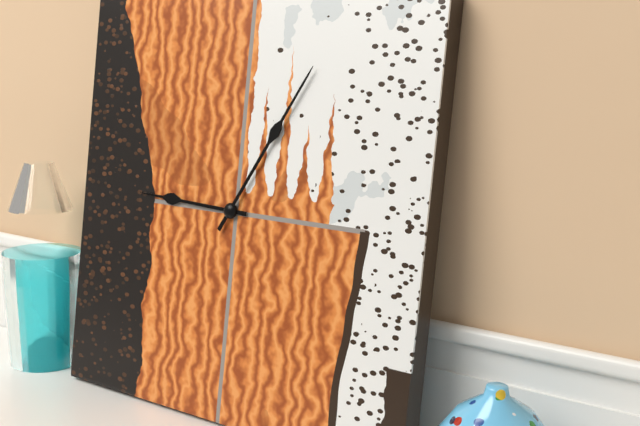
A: 9 h 05 min
